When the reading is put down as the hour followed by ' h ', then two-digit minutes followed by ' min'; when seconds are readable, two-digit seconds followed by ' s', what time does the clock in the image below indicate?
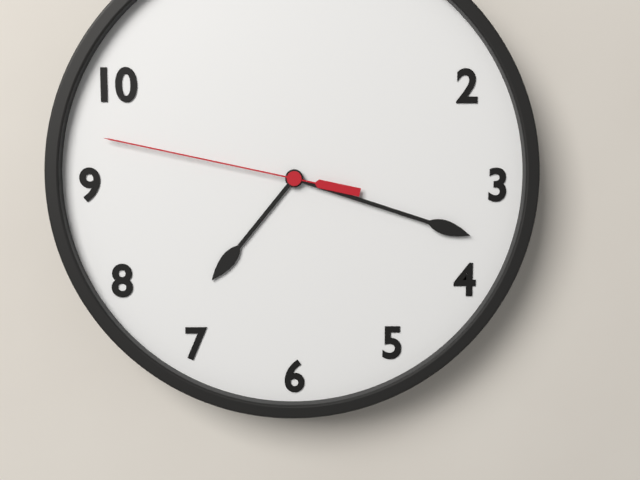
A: 7 h 18 min 47 s
